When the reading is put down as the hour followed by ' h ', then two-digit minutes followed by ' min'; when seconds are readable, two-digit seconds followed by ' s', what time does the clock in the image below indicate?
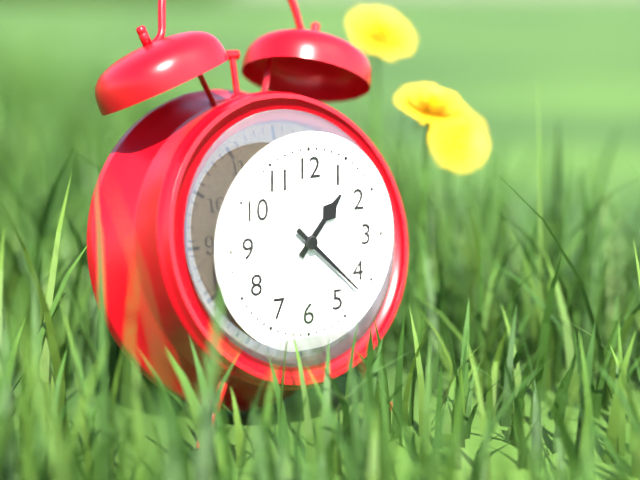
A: 1 h 22 min
